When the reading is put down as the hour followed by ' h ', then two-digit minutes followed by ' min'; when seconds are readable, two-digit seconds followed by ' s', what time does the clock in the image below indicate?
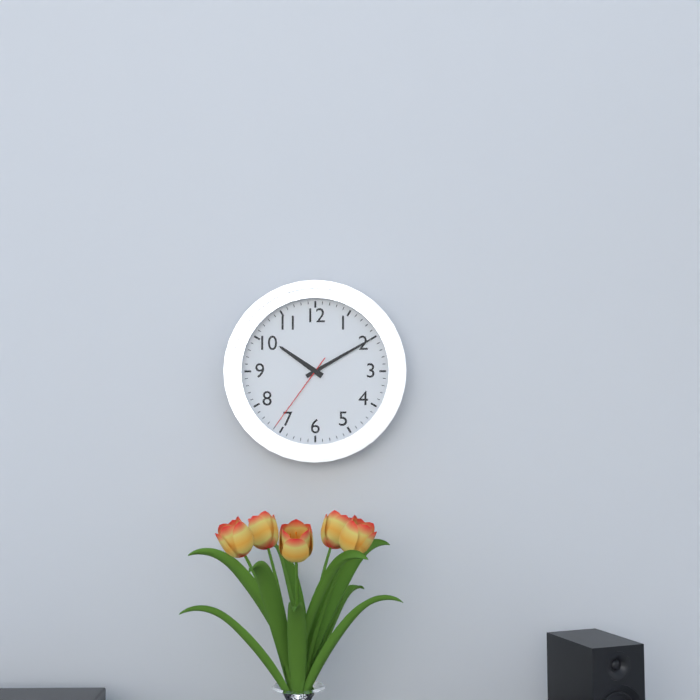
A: 10 h 10 min 36 s
